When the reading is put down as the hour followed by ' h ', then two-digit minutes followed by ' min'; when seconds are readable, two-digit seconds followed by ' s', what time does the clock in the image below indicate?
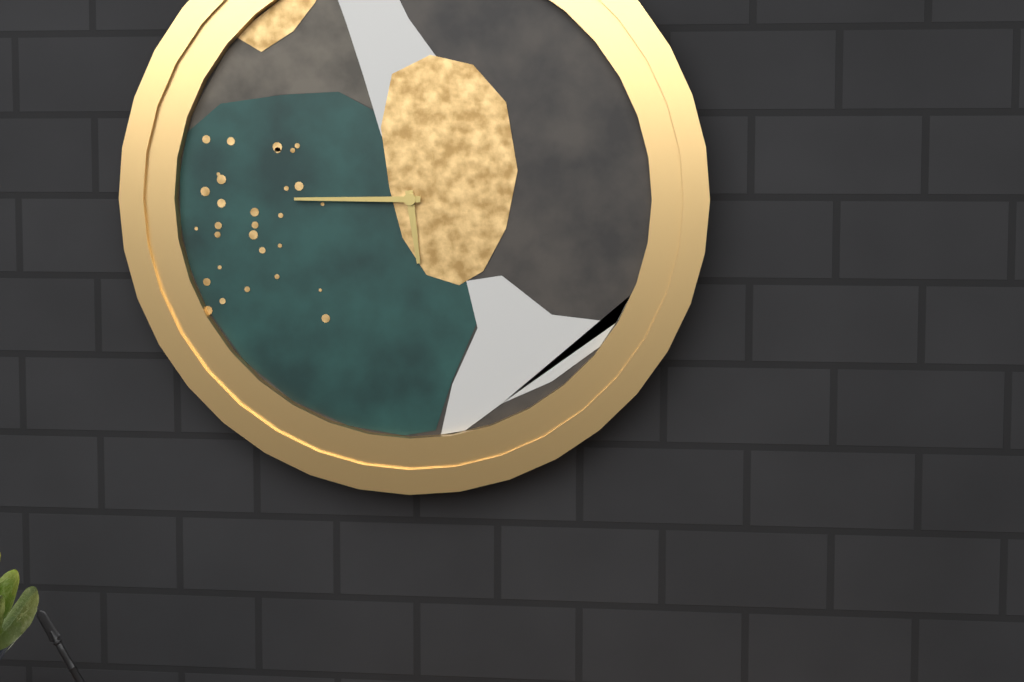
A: 5 h 45 min
